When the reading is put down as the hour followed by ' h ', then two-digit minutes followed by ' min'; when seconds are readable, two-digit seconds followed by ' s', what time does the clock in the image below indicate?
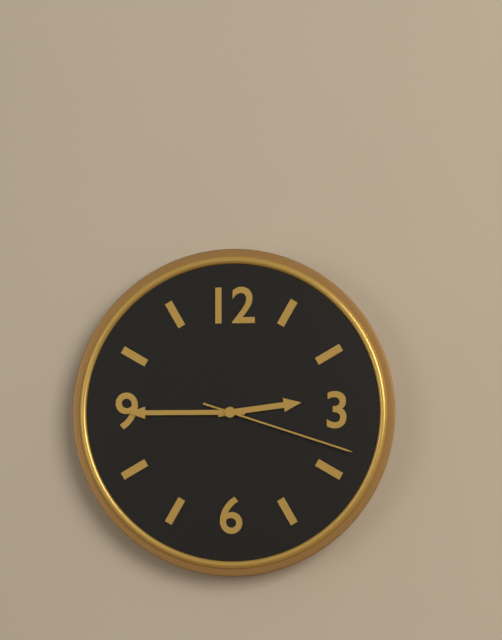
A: 2 h 45 min 18 s
